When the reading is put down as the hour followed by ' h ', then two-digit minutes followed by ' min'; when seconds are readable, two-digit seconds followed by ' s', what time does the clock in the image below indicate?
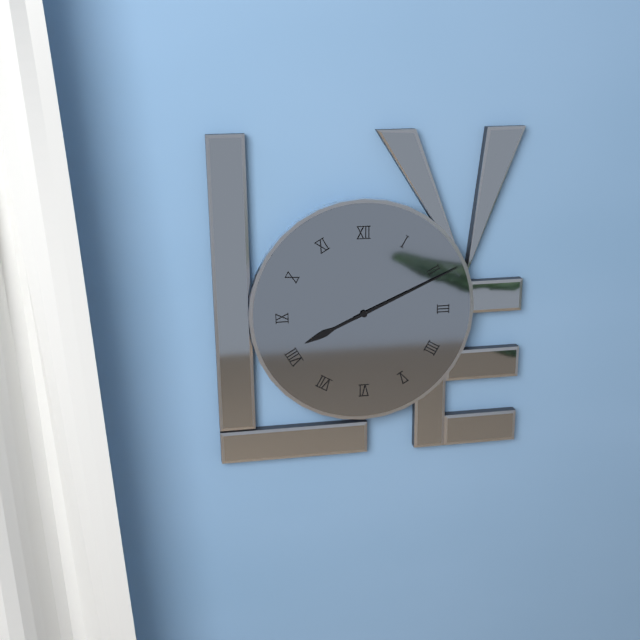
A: 8 h 11 min
